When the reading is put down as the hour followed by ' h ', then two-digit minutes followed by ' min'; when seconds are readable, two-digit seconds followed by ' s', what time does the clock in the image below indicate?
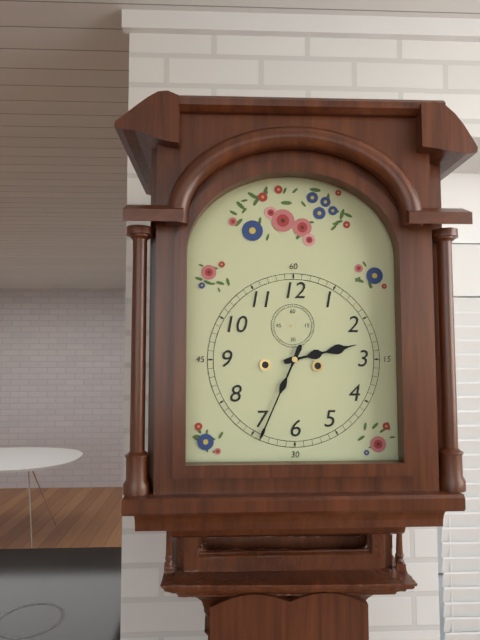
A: 2 h 34 min
